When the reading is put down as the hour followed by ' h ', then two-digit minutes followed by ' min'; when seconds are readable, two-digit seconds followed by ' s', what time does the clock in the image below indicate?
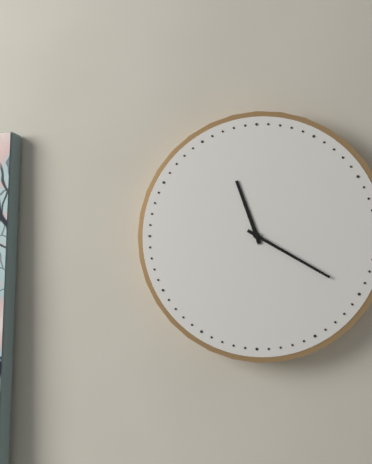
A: 11 h 20 min
